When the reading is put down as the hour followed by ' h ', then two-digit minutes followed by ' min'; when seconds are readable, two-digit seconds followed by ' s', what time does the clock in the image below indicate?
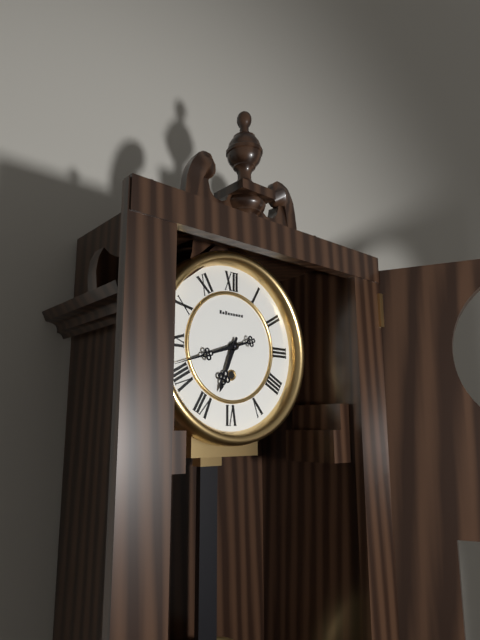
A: 6 h 42 min
